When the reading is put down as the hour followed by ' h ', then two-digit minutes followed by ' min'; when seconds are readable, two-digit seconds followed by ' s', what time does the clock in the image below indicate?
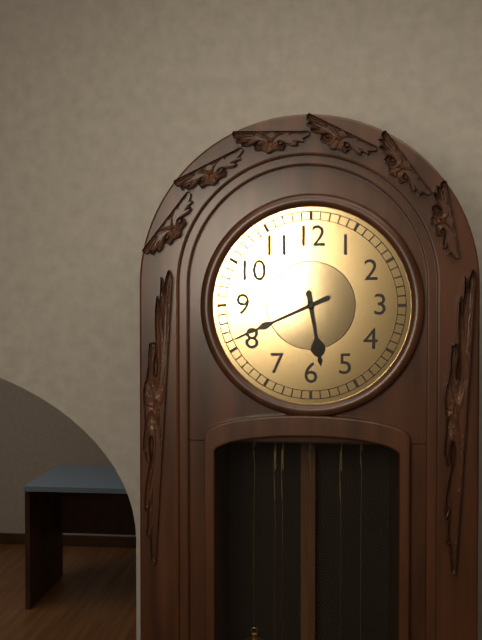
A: 5 h 41 min
